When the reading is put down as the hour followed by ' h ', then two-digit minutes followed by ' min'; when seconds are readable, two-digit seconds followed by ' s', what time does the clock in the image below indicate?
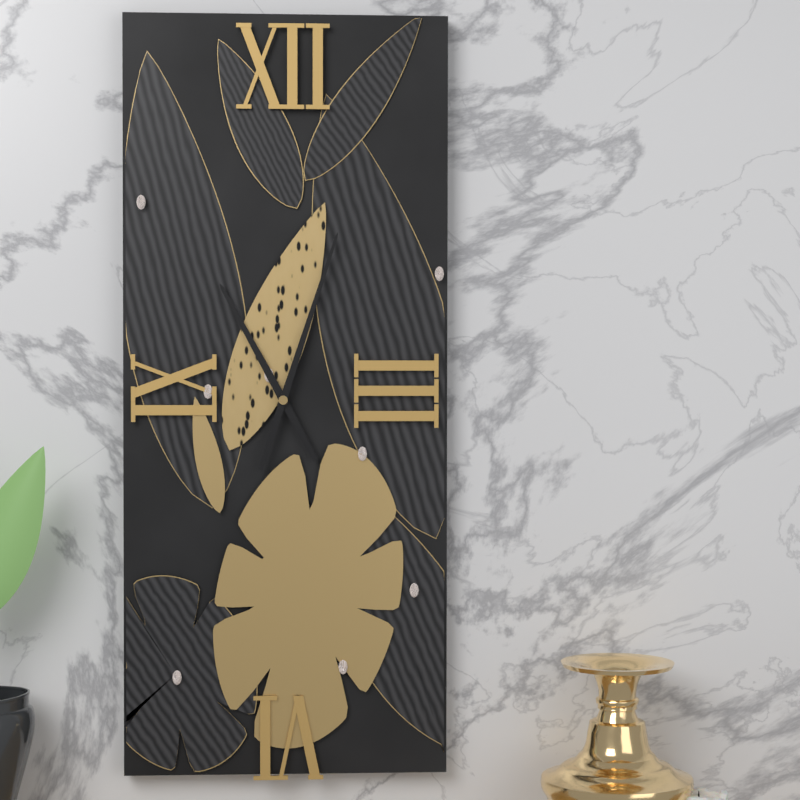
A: 11 h 03 min
